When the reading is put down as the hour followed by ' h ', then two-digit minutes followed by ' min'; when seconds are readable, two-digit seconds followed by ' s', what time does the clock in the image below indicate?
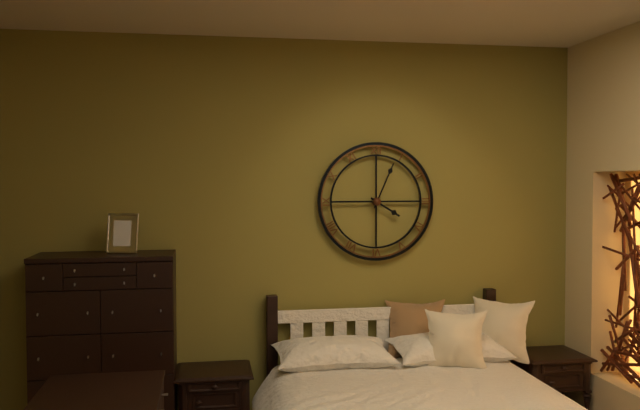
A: 4 h 04 min
